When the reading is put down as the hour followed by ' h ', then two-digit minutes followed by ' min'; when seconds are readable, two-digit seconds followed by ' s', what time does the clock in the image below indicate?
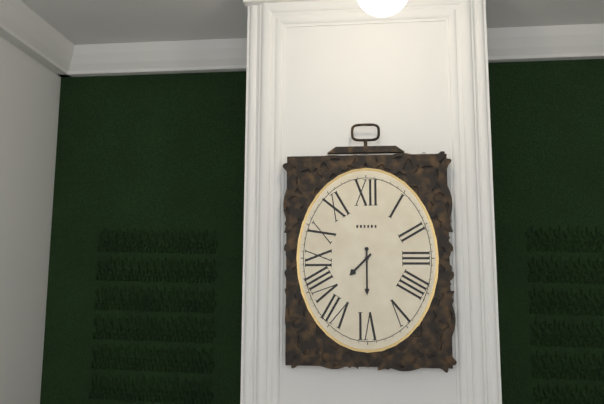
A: 7 h 30 min
